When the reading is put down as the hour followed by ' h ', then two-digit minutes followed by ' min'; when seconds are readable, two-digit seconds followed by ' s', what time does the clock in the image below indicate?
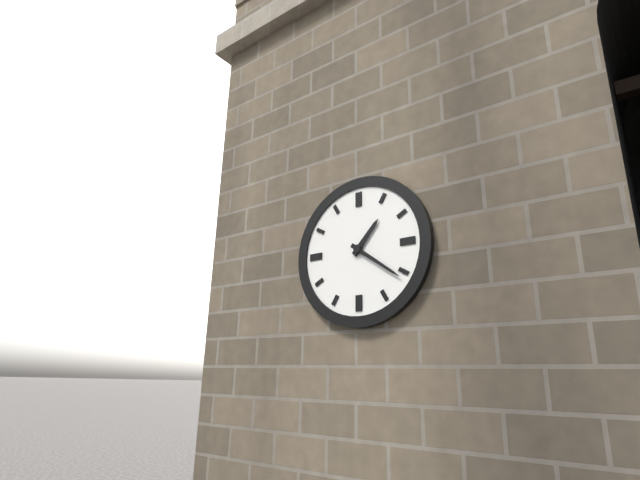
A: 1 h 21 min
